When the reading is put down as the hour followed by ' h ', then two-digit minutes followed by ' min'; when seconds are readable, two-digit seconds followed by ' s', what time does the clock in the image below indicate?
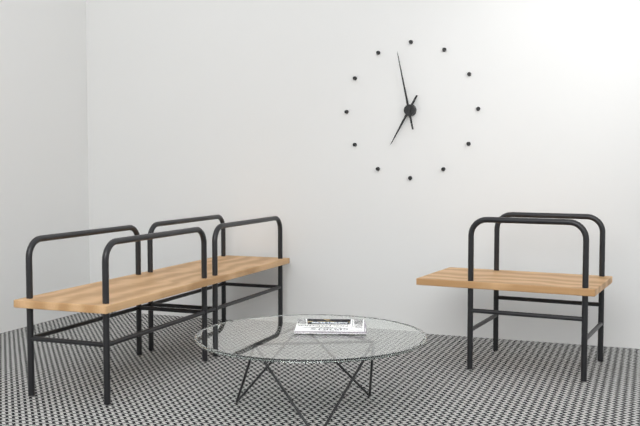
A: 6 h 58 min
